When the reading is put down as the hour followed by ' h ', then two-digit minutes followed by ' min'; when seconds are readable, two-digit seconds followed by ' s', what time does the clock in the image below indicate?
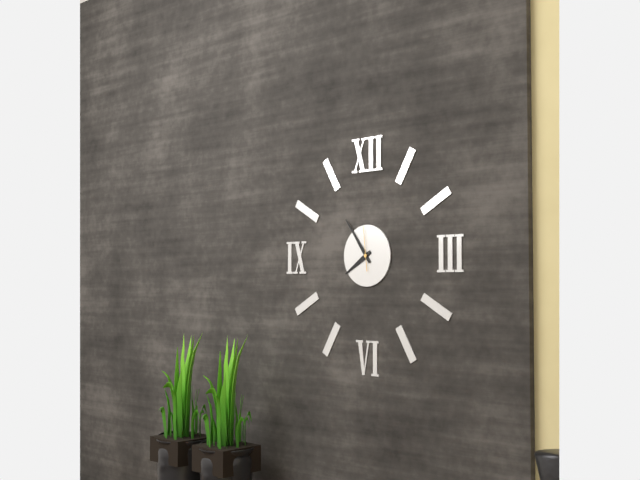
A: 7 h 54 min
